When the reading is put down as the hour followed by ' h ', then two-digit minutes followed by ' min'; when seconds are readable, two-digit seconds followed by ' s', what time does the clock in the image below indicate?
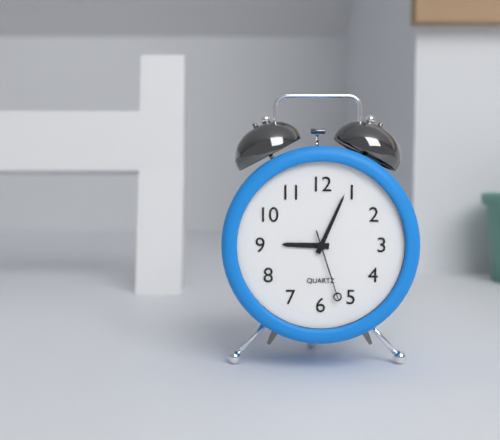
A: 9 h 04 min 27 s
